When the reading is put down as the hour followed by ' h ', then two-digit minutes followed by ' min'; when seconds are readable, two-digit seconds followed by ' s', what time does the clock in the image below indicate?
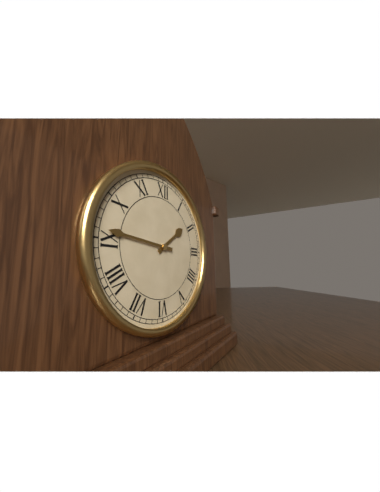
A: 1 h 46 min
